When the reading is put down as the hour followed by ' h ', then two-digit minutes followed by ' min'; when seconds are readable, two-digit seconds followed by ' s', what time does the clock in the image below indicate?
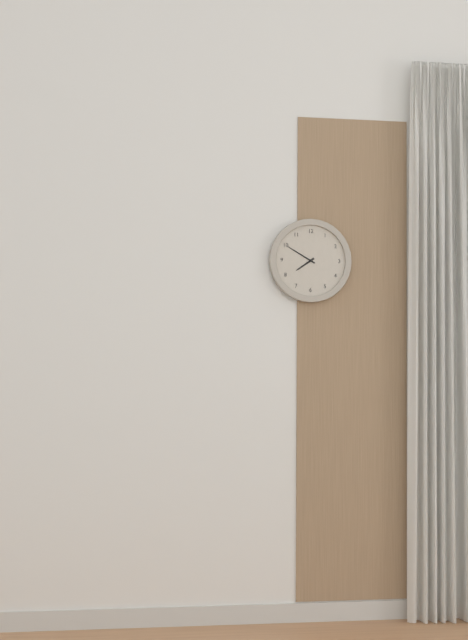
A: 7 h 50 min
